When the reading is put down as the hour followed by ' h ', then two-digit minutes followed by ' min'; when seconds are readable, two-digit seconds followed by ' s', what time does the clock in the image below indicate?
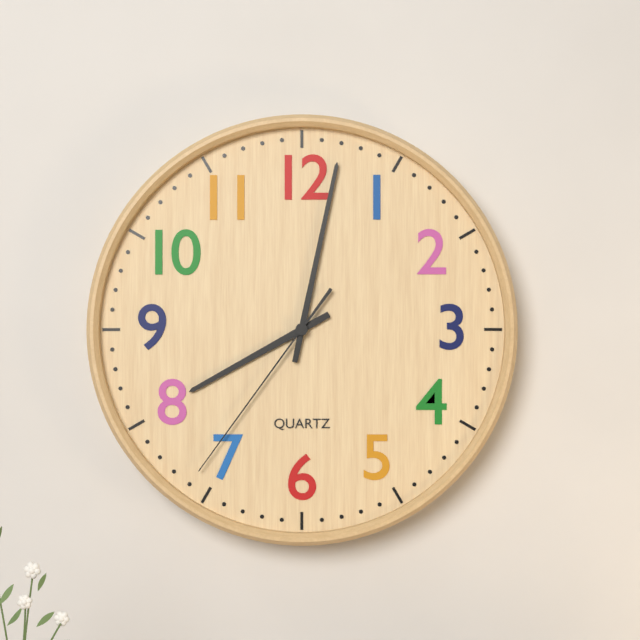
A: 8 h 02 min 36 s
